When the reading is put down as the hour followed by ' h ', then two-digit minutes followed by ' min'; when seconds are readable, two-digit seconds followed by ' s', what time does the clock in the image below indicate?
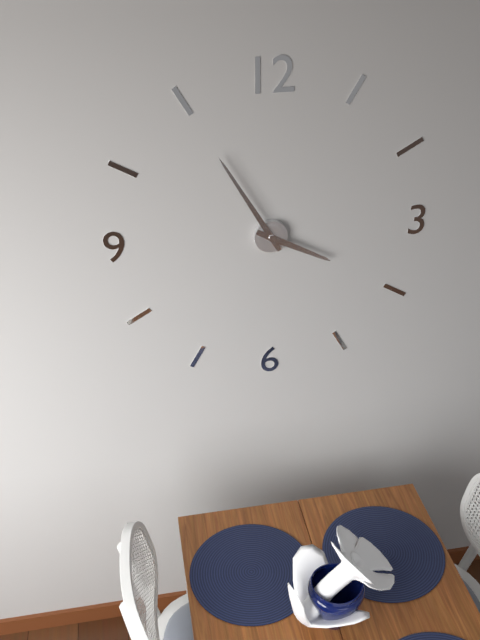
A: 3 h 55 min
